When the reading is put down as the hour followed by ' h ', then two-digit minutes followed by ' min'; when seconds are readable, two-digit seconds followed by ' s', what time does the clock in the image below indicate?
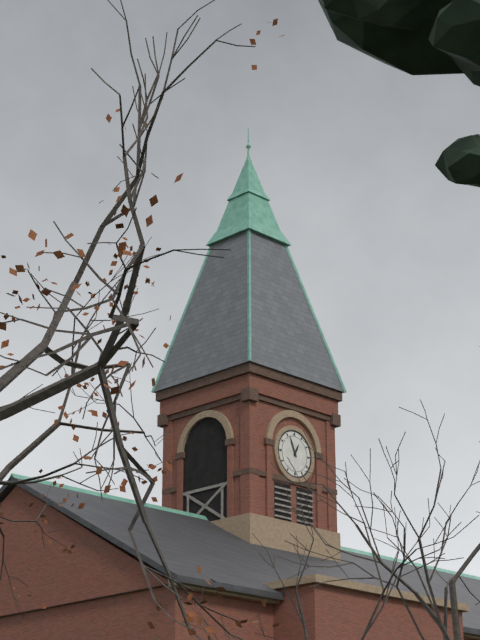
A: 12 h 56 min
